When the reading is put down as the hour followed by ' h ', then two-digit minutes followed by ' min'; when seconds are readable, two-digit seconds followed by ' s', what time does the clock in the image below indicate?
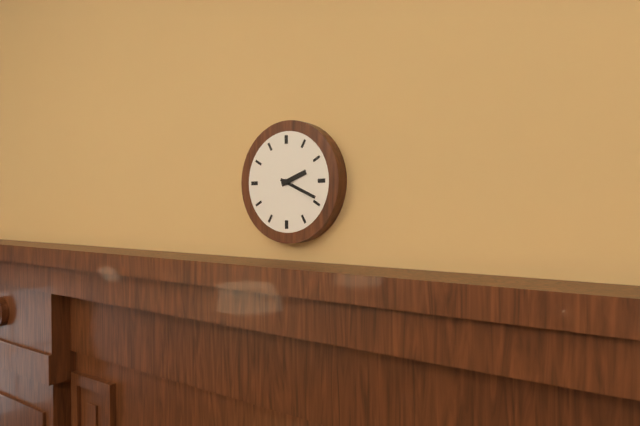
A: 2 h 19 min
